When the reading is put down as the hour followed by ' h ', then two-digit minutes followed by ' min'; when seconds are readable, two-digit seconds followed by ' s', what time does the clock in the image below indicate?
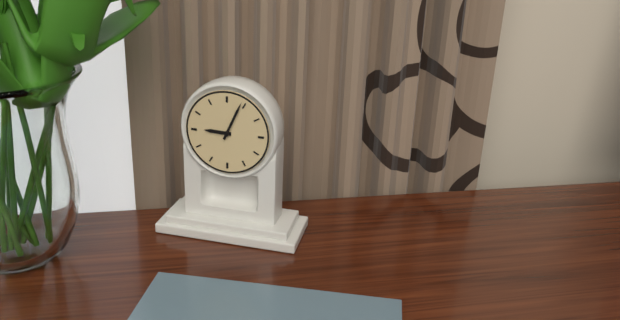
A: 9 h 04 min
